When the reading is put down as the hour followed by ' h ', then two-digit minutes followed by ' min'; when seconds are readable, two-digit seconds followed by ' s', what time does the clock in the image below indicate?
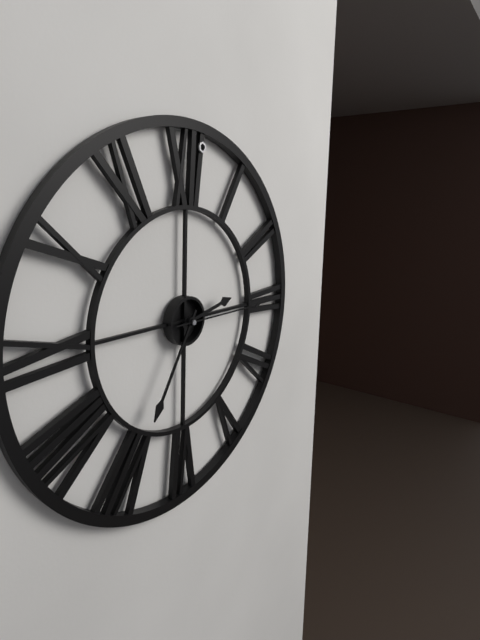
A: 2 h 35 min 15 s
